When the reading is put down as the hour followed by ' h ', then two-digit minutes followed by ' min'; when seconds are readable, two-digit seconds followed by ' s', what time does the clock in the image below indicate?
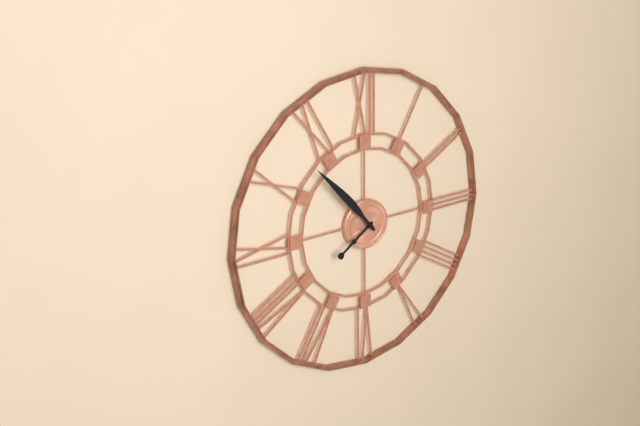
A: 7 h 53 min
